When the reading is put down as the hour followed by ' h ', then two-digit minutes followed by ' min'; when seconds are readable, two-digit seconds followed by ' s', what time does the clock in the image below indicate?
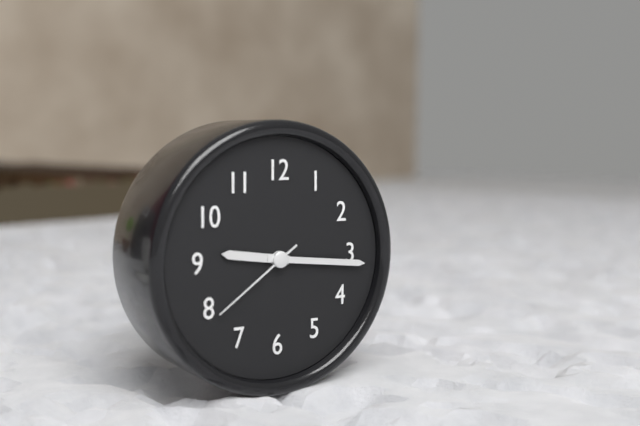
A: 9 h 16 min 39 s
